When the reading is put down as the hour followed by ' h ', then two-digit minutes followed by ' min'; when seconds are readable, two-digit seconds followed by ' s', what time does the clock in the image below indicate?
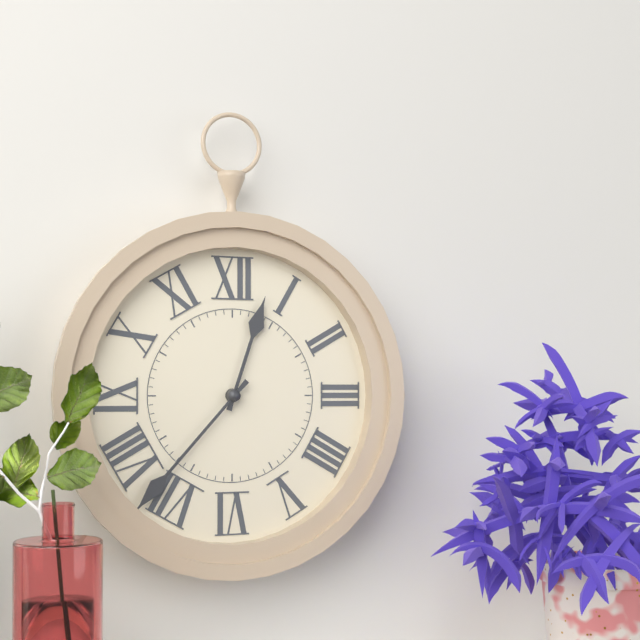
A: 12 h 37 min
